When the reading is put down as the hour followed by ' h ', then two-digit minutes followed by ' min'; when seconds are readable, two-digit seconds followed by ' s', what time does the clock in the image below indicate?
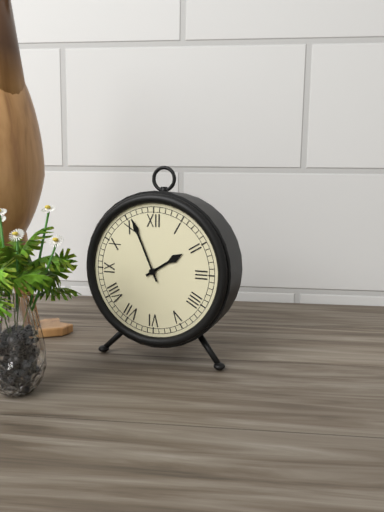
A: 1 h 56 min
